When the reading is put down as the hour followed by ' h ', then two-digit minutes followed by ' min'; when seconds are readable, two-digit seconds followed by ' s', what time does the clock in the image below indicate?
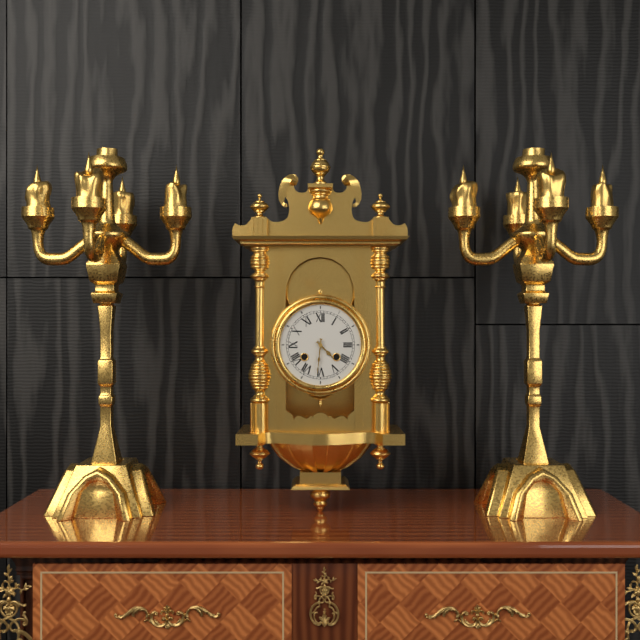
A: 4 h 31 min
